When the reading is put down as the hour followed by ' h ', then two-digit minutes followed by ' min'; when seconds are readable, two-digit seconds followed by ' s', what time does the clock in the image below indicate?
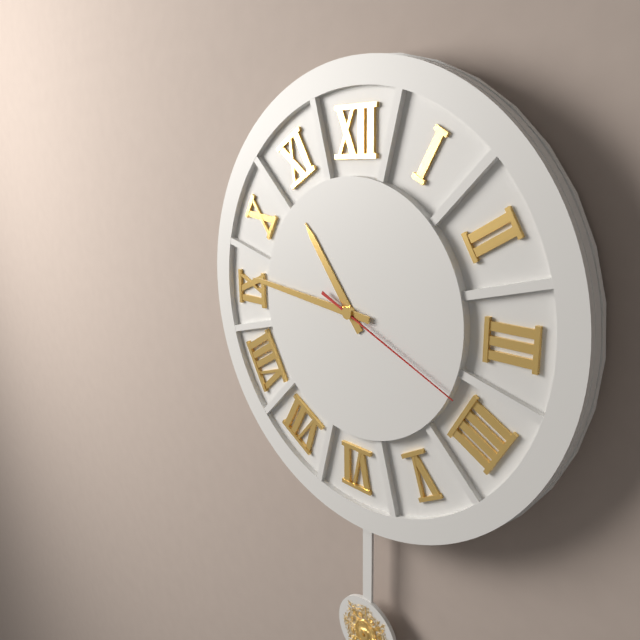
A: 10 h 46 min 19 s
